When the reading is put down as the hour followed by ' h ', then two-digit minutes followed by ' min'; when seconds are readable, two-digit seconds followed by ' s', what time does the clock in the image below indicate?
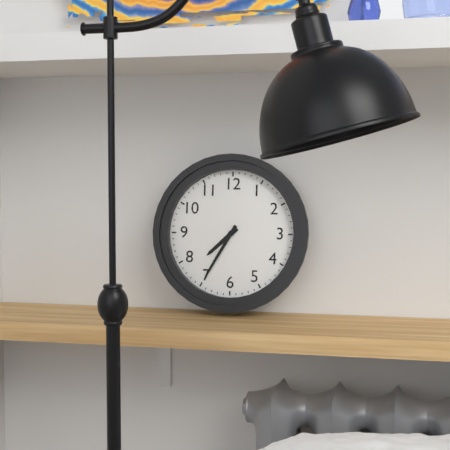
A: 7 h 35 min
